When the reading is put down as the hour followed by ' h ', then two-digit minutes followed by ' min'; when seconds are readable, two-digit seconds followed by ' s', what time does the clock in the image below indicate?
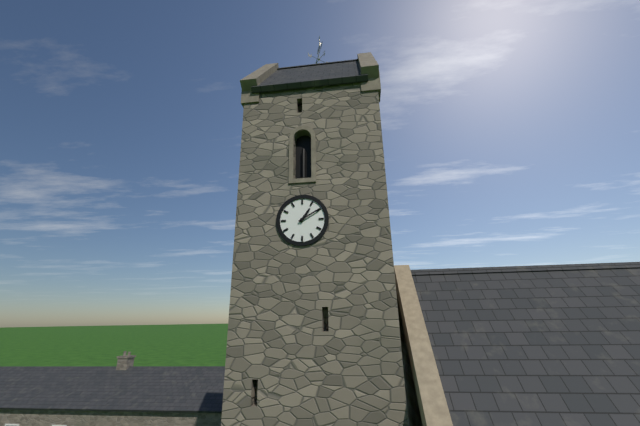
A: 1 h 10 min
